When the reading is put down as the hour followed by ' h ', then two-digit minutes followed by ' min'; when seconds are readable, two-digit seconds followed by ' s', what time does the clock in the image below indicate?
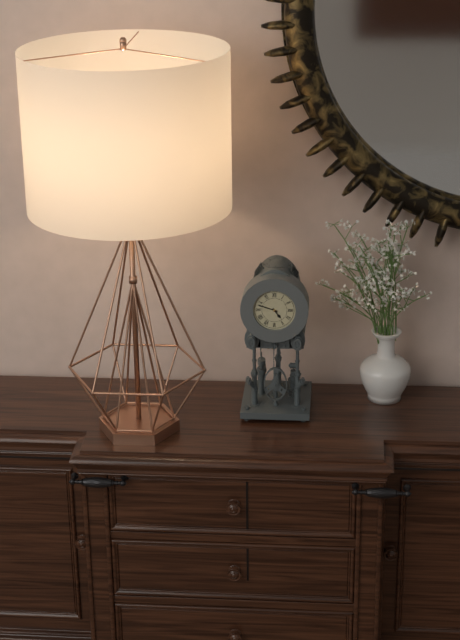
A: 4 h 48 min
